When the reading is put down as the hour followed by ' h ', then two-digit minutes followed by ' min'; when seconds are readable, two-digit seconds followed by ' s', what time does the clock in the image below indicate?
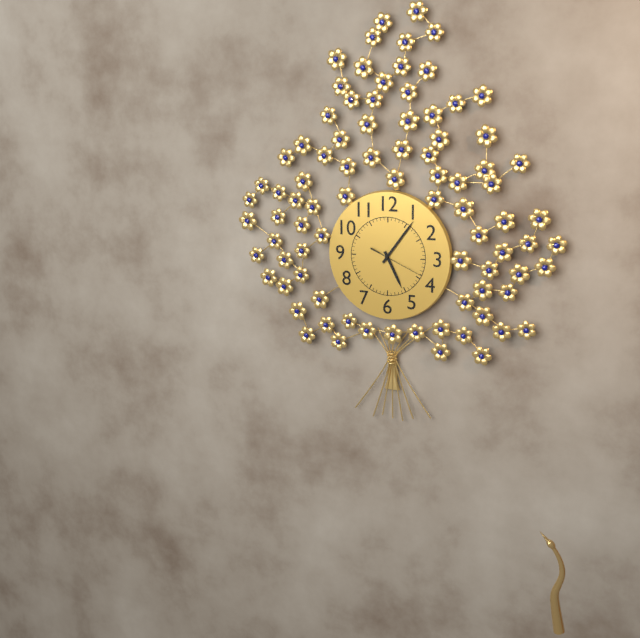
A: 5 h 06 min
